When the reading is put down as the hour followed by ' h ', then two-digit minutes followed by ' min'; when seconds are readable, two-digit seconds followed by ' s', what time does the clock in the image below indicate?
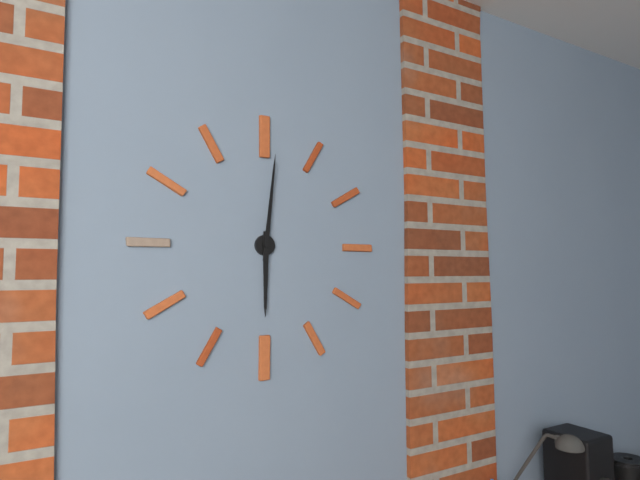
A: 6 h 01 min
